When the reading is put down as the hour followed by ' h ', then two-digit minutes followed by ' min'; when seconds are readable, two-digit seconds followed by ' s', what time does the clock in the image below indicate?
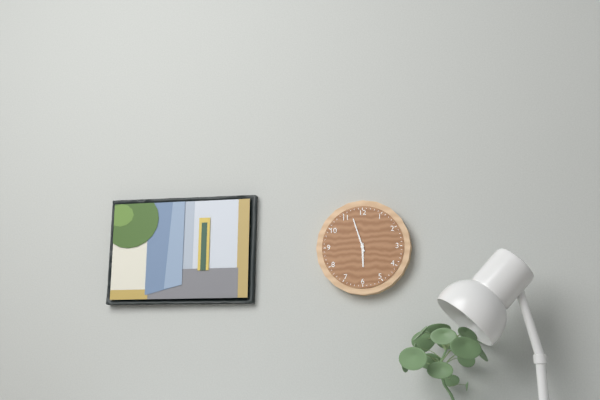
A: 5 h 57 min
